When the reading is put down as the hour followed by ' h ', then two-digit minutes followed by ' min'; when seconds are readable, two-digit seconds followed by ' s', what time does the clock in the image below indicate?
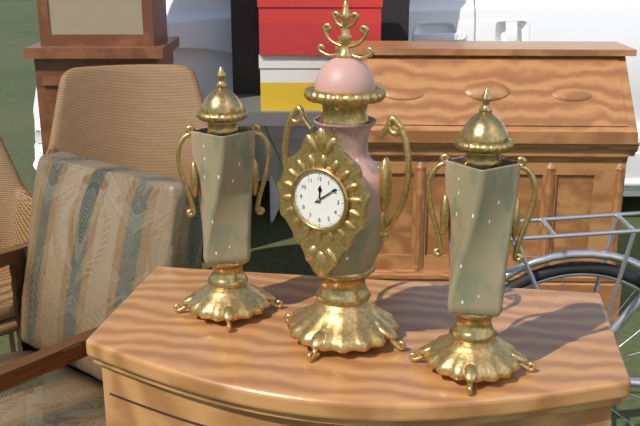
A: 12 h 09 min
